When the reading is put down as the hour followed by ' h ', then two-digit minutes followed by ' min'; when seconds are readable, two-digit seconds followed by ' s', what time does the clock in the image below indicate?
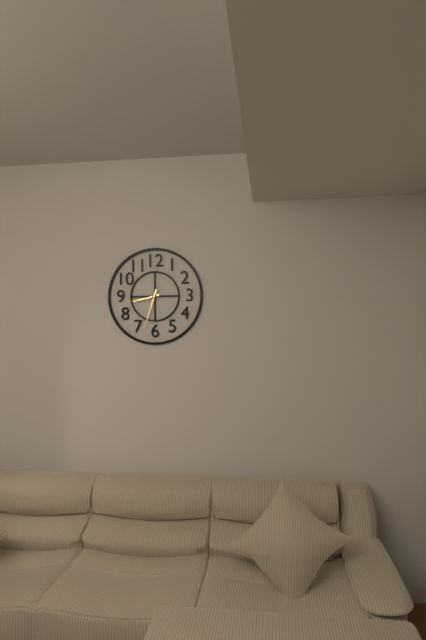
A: 8 h 33 min
